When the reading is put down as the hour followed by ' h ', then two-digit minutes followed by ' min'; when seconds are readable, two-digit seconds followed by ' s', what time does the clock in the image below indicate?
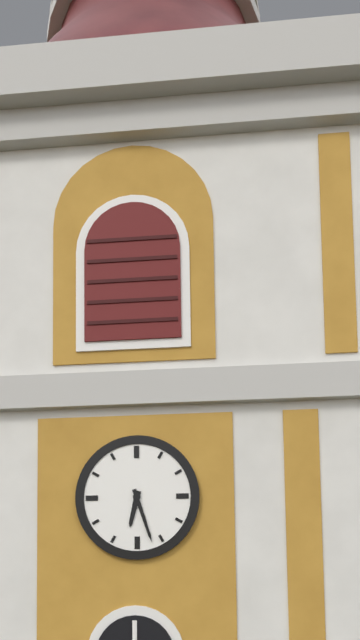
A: 6 h 27 min
